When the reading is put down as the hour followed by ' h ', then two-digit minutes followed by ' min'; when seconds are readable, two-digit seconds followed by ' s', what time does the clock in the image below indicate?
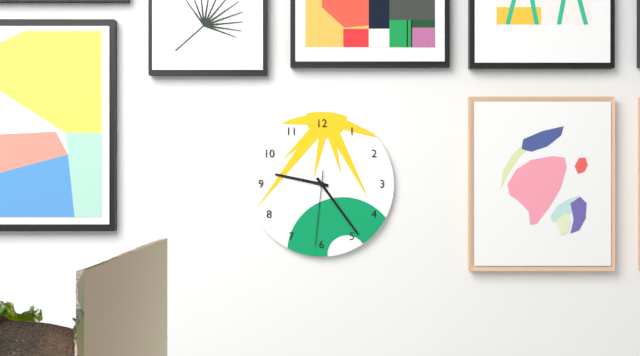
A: 9 h 24 min 31 s
